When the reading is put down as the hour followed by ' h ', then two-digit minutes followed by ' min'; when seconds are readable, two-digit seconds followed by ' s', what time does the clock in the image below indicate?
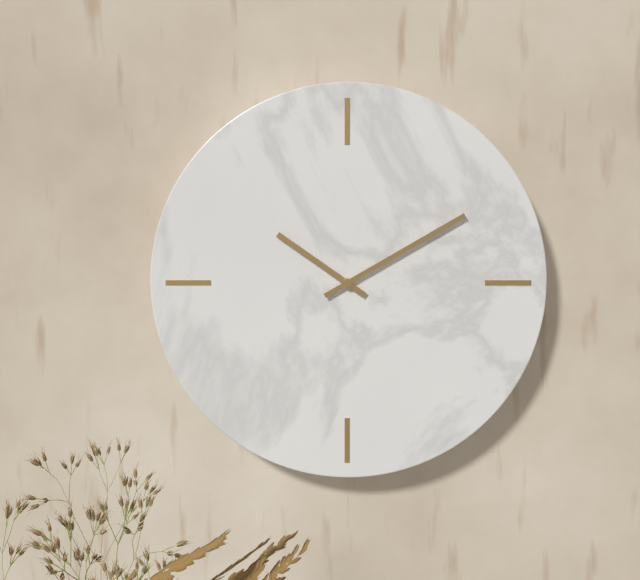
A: 10 h 10 min
